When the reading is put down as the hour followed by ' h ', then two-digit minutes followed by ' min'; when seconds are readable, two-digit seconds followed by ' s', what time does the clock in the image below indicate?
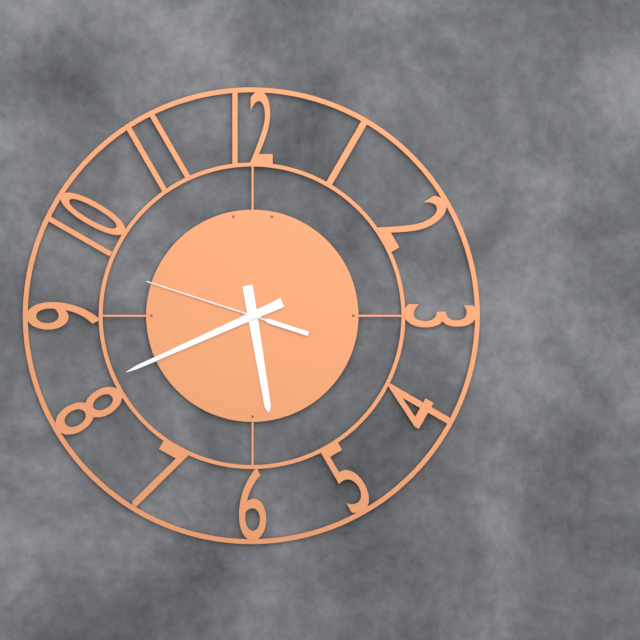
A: 5 h 41 min 48 s
